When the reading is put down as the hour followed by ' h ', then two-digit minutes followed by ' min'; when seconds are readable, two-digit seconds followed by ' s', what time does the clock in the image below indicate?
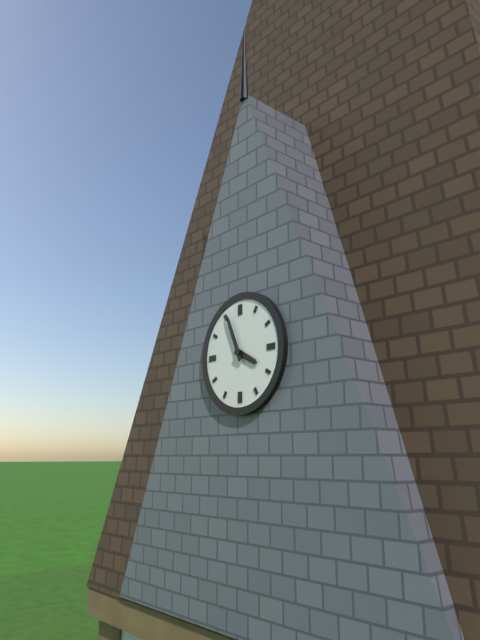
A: 3 h 56 min
